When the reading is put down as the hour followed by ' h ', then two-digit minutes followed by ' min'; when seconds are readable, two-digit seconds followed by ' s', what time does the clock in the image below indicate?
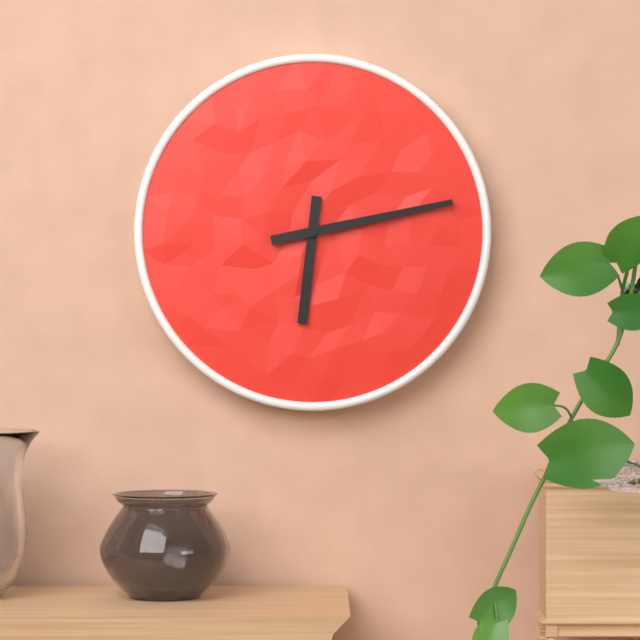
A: 6 h 13 min
